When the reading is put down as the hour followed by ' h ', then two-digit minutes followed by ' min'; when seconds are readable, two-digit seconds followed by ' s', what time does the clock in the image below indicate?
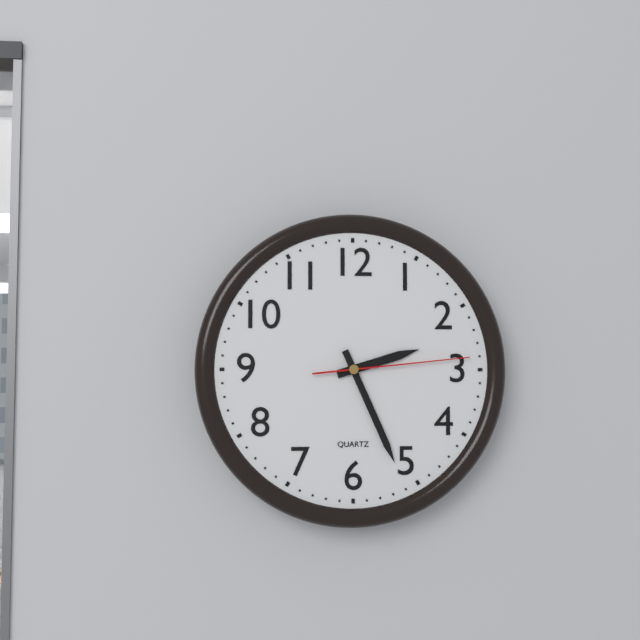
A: 2 h 26 min 14 s
